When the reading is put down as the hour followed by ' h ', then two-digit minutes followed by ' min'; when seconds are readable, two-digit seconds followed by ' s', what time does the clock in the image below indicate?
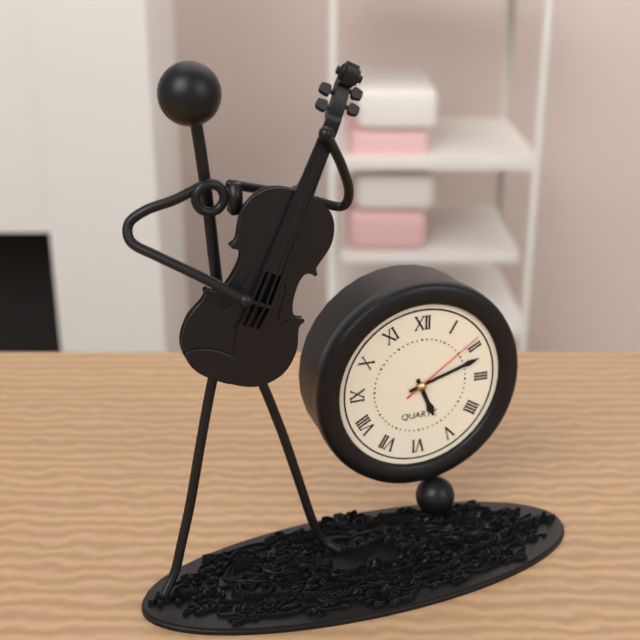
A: 5 h 12 min 09 s
